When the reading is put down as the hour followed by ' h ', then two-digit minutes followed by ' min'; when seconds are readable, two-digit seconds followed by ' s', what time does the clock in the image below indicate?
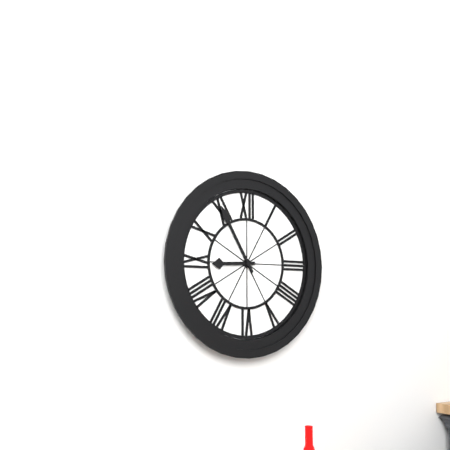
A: 8 h 55 min
